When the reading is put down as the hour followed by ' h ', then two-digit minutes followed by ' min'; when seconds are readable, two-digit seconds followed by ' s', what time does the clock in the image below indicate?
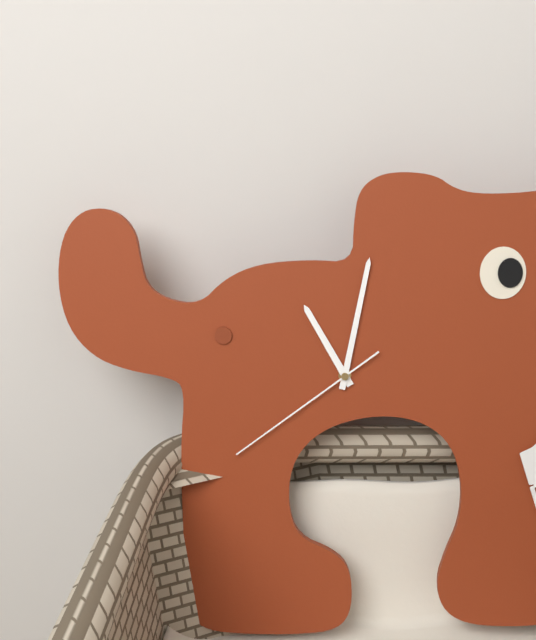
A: 11 h 02 min 39 s
